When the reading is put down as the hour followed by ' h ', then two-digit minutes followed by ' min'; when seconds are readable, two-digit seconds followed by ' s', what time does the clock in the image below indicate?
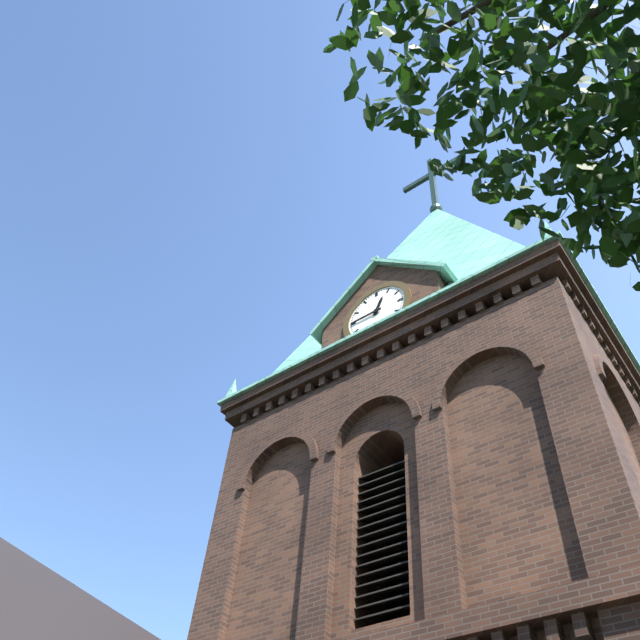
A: 12 h 45 min
